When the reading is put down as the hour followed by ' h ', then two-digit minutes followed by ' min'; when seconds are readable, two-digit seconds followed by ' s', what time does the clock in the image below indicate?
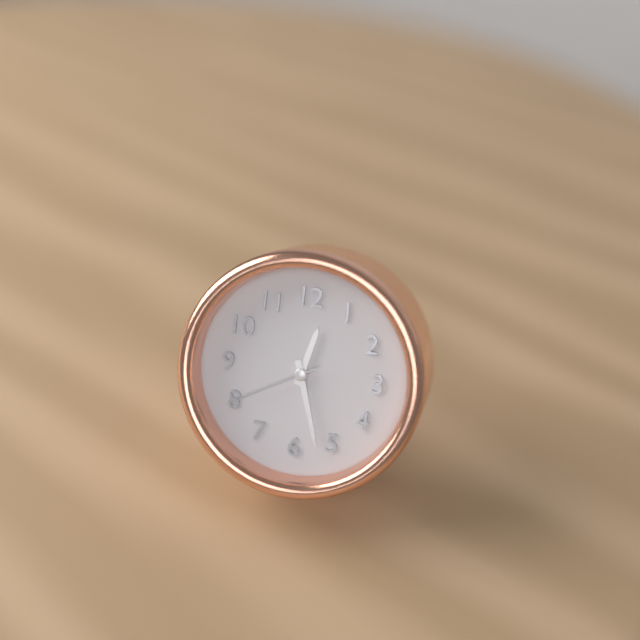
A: 12 h 27 min 40 s
